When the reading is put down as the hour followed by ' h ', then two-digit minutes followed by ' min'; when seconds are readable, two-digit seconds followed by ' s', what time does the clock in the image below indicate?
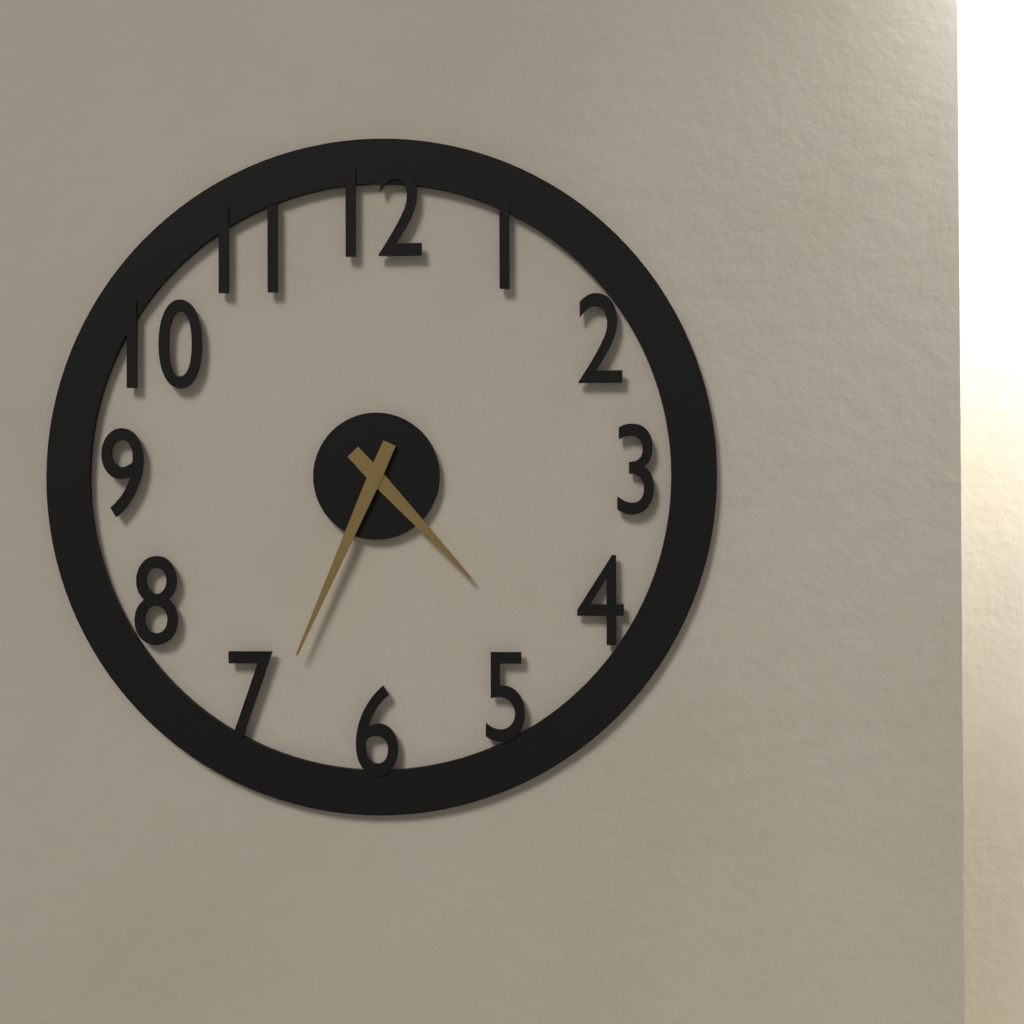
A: 4 h 34 min
